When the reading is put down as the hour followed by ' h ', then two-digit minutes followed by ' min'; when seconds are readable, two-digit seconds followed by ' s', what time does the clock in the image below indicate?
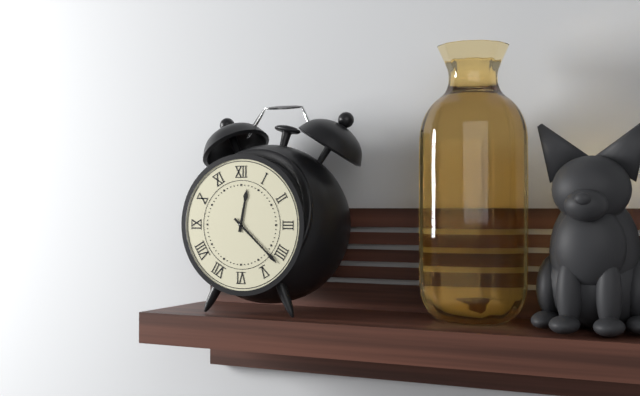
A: 12 h 22 min
